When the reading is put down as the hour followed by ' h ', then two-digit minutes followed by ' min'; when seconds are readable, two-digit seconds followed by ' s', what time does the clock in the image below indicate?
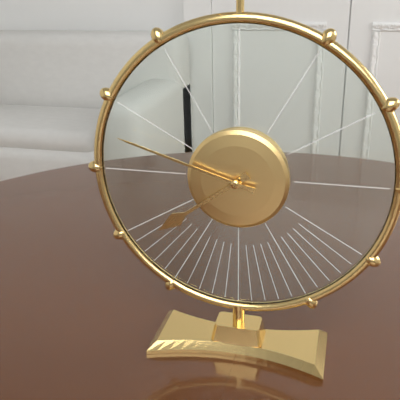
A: 7 h 48 min
